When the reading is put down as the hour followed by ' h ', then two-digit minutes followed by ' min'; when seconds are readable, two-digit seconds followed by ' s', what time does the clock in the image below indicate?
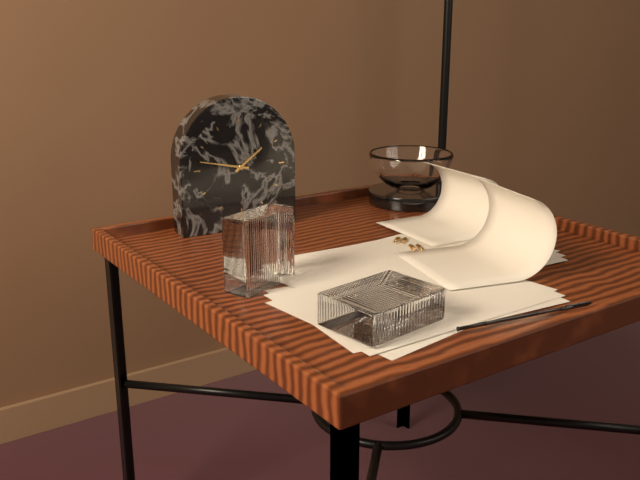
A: 1 h 47 min
